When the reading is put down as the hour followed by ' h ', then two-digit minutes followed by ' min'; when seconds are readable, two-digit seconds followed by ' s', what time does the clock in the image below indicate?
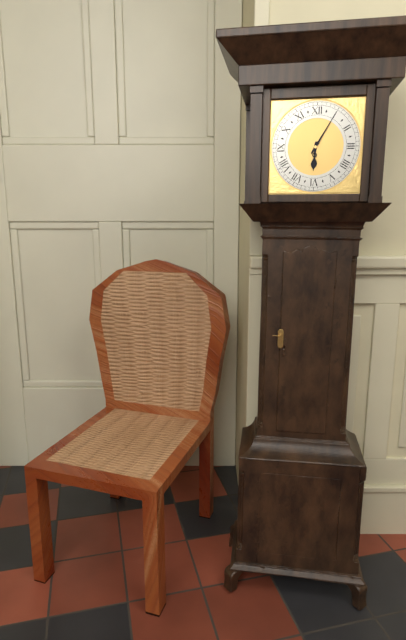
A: 6 h 05 min
